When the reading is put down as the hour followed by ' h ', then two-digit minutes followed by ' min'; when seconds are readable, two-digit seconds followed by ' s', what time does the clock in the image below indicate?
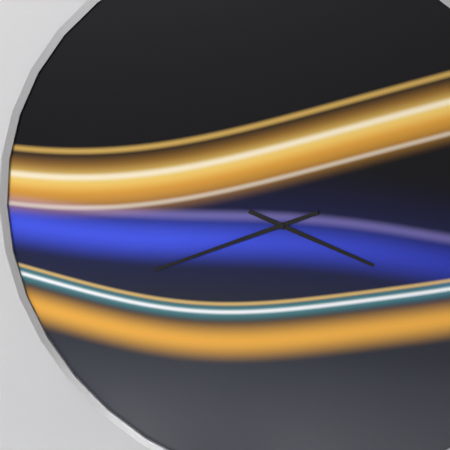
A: 3 h 41 min
